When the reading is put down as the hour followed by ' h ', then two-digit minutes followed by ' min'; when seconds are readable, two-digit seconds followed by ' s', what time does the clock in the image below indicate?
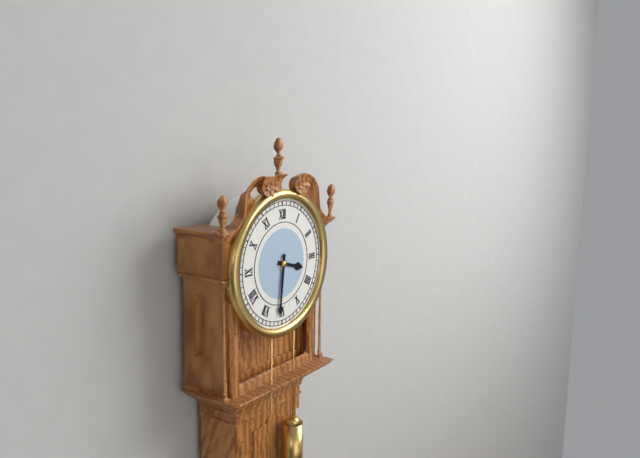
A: 3 h 31 min
